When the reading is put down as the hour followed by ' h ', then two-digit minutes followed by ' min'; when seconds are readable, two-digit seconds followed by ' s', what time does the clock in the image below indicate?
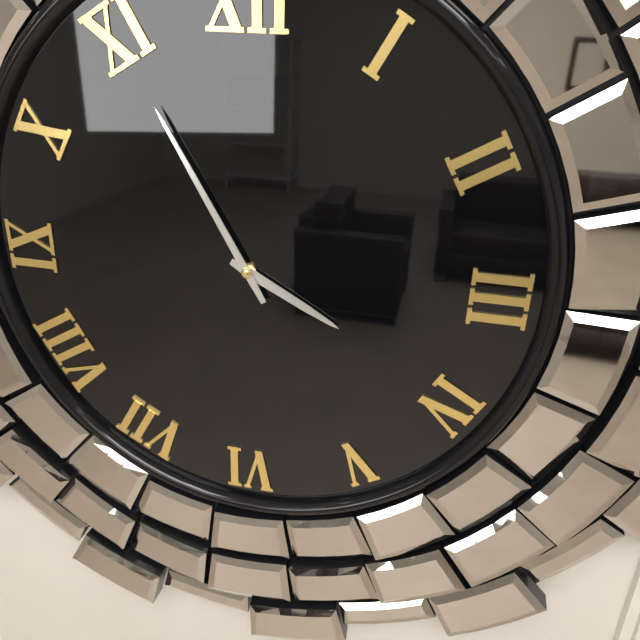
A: 3 h 55 min
